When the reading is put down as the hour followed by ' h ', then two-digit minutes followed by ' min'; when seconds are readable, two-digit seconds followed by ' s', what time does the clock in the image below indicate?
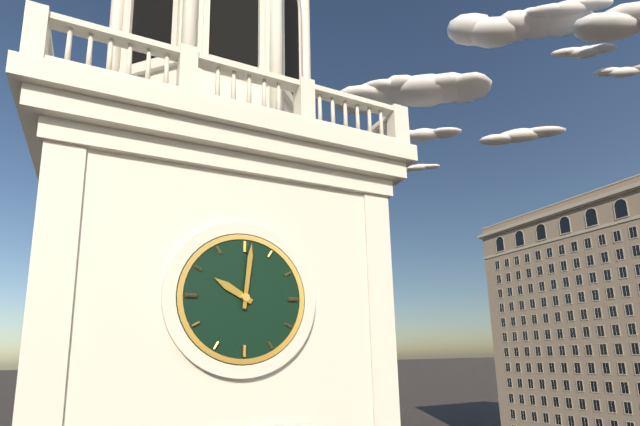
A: 10 h 01 min
